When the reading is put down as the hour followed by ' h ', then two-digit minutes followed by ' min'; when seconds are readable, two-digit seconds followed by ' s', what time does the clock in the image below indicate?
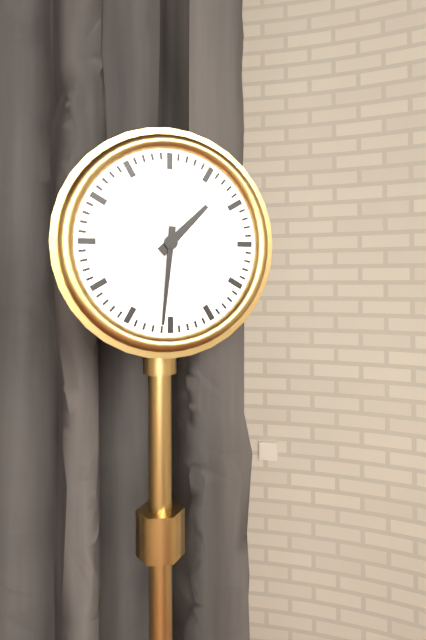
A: 1 h 31 min
